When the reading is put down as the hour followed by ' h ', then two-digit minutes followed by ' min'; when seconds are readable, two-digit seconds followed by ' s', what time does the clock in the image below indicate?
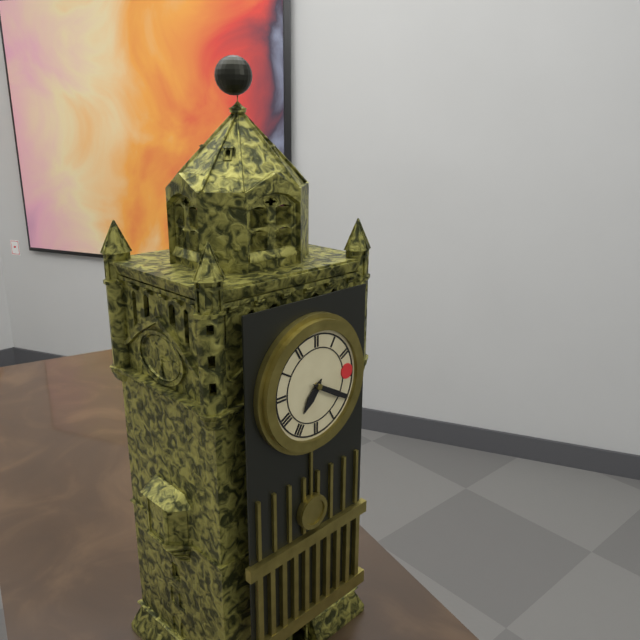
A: 7 h 20 min
